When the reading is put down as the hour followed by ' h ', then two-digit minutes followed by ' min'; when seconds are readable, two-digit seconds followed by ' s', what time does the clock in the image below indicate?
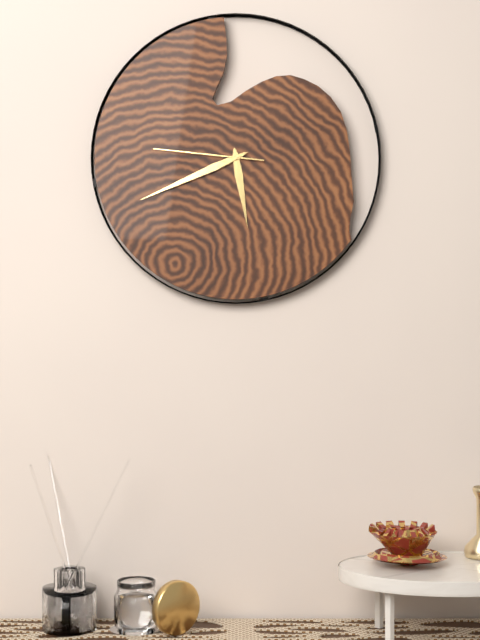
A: 5 h 41 min 46 s
